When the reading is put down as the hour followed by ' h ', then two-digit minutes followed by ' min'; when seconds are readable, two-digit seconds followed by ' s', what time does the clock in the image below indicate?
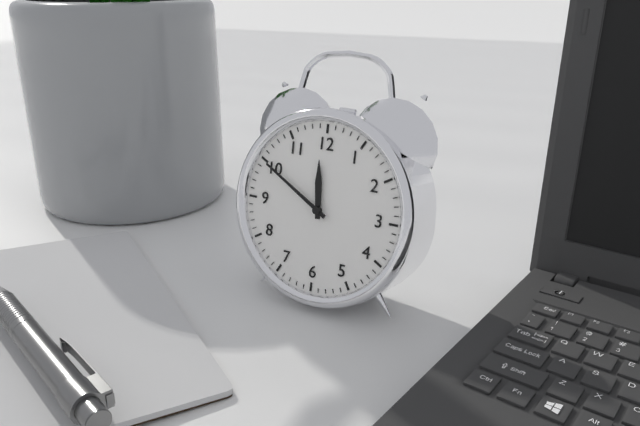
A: 11 h 50 min
